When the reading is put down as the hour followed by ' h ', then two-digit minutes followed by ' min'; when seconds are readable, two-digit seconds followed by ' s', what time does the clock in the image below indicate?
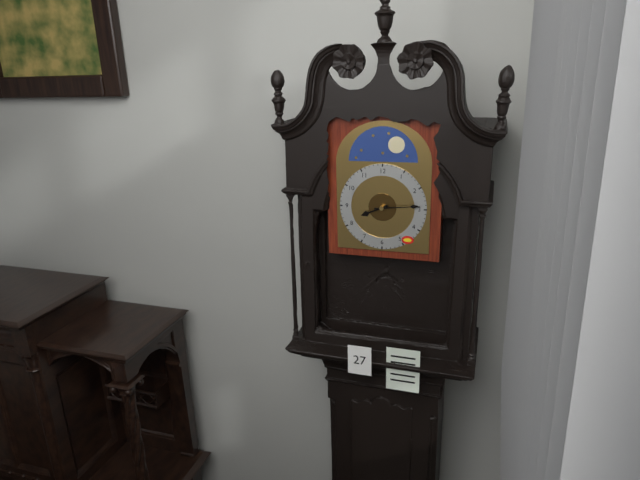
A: 8 h 14 min
